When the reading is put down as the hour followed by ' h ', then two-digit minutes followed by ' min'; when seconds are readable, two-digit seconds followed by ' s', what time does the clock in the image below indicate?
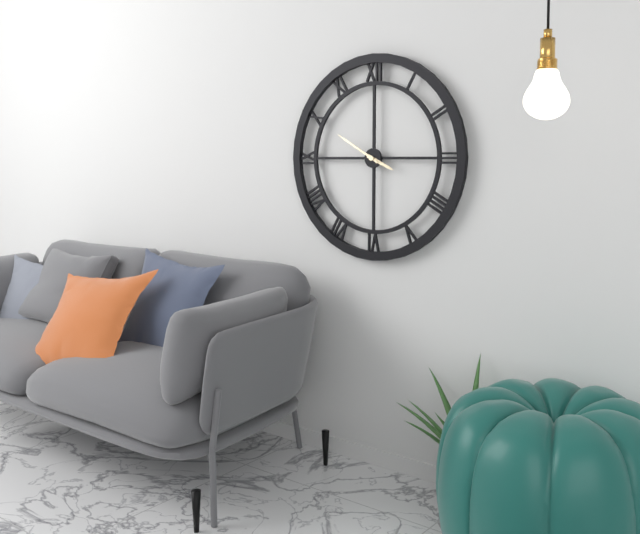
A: 3 h 50 min
